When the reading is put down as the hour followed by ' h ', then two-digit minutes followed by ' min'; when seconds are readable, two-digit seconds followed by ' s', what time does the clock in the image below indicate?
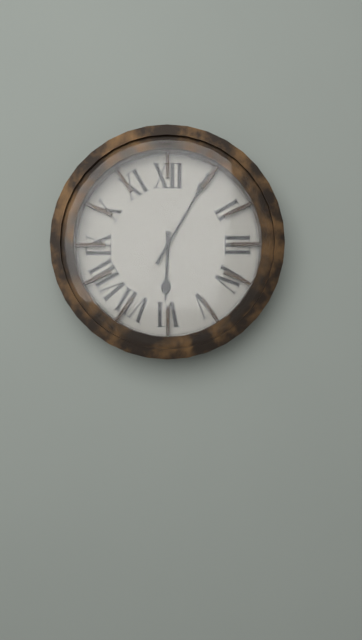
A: 6 h 05 min
